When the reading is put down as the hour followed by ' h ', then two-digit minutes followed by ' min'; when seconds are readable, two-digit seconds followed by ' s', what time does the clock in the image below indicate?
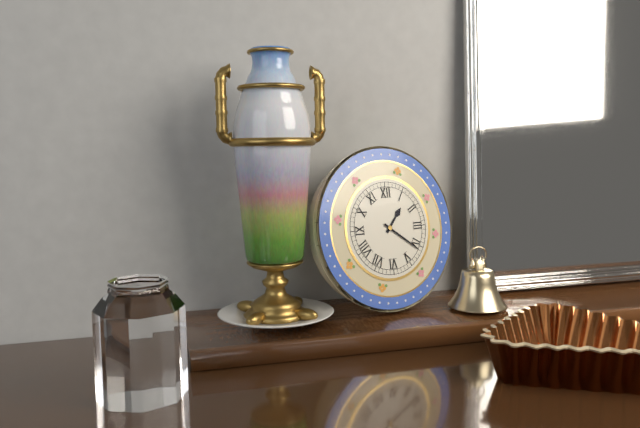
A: 1 h 21 min
